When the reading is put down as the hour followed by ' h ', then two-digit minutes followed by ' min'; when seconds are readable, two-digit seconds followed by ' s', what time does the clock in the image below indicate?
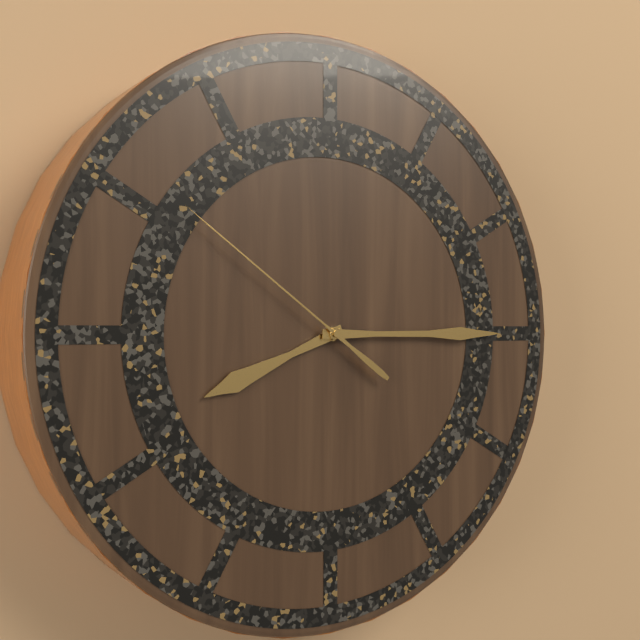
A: 8 h 15 min 51 s
